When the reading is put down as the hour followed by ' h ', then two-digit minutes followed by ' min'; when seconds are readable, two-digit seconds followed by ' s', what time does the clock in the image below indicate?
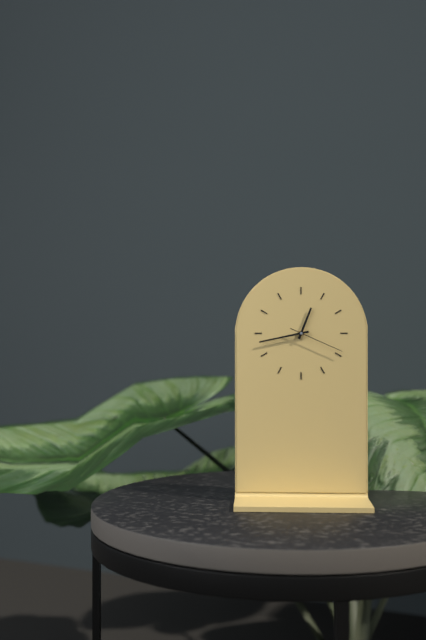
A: 12 h 43 min 19 s
